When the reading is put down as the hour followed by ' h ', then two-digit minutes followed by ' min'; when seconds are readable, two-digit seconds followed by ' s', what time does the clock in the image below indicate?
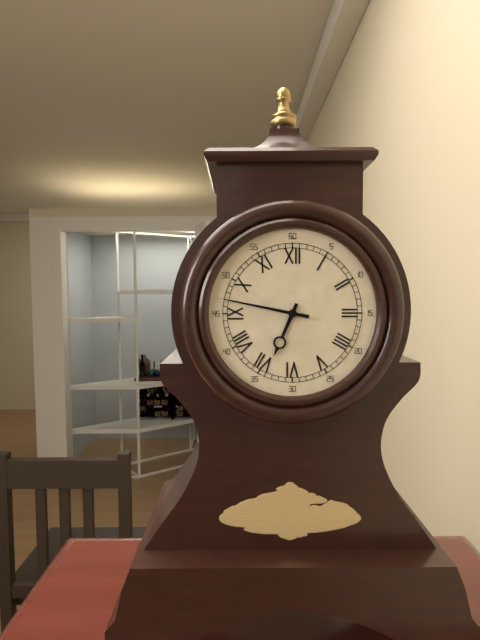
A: 6 h 47 min
